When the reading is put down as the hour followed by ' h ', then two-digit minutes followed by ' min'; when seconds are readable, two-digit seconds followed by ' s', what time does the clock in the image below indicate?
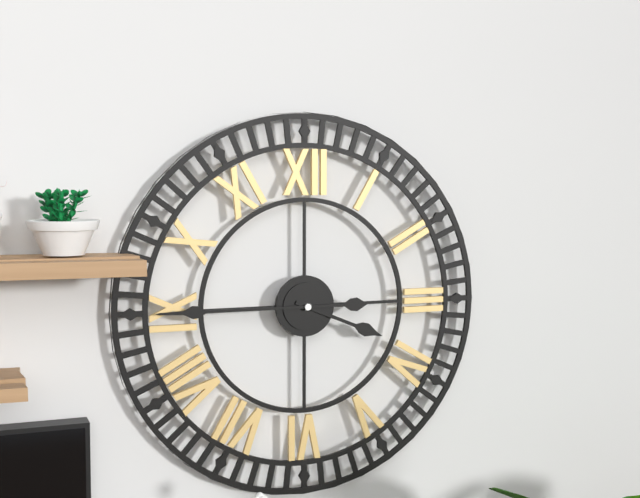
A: 3 h 45 min
